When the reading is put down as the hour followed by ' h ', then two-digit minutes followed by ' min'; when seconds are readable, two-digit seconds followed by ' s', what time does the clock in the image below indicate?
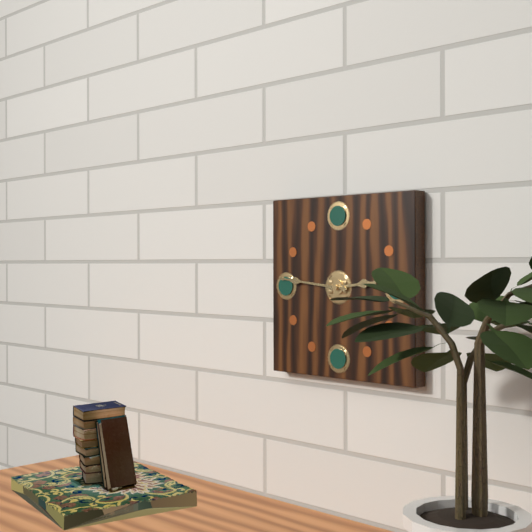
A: 2 h 46 min
